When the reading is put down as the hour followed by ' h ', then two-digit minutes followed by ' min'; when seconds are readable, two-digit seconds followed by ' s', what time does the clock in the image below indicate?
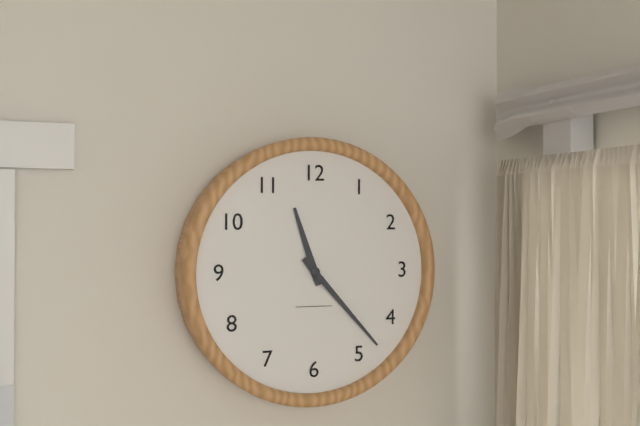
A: 11 h 23 min
